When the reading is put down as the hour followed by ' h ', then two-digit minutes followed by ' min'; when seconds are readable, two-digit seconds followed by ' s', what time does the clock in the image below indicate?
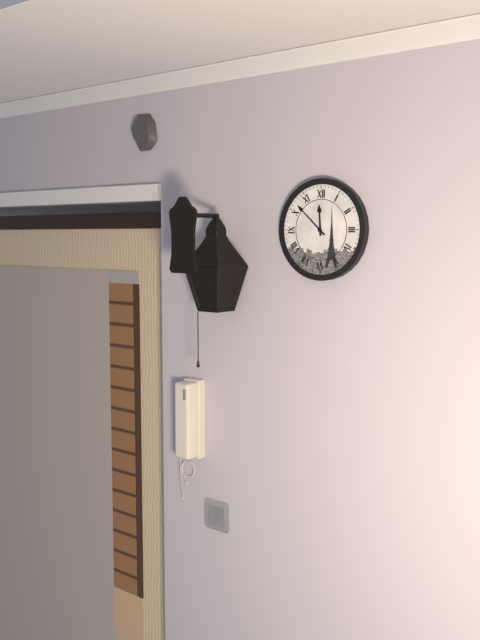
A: 11 h 52 min
